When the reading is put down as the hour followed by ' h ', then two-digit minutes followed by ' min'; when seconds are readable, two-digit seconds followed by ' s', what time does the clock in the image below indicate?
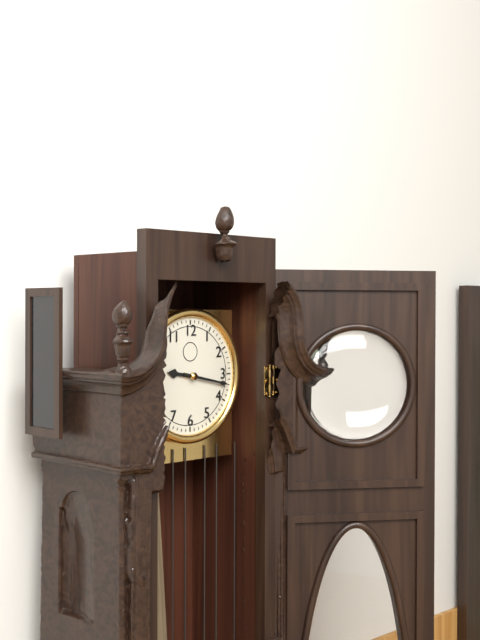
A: 9 h 17 min
